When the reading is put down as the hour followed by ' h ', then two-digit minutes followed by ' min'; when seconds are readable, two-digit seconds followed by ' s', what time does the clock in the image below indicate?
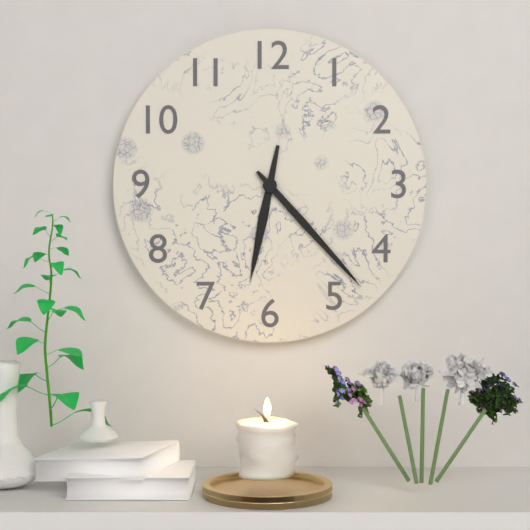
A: 6 h 23 min
